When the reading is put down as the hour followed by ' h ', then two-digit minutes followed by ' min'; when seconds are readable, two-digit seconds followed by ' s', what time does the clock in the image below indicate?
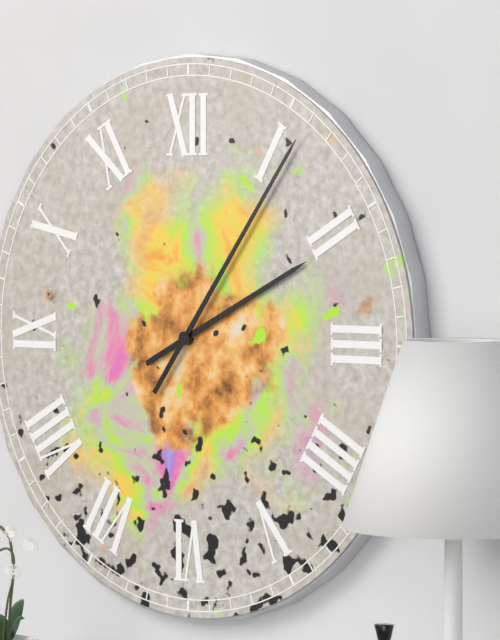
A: 2 h 06 min
